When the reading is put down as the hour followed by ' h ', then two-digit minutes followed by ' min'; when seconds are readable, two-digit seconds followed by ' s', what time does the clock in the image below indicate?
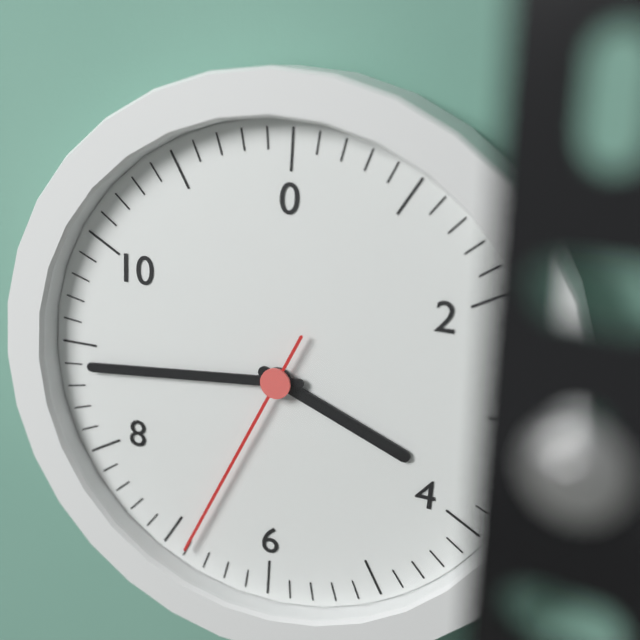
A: 3 h 44 min 34 s
